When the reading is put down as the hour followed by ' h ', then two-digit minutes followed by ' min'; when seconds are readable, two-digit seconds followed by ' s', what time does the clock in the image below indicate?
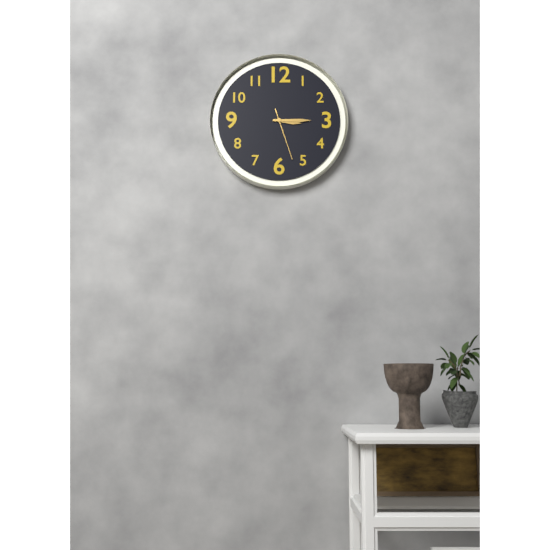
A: 3 h 15 min 27 s
